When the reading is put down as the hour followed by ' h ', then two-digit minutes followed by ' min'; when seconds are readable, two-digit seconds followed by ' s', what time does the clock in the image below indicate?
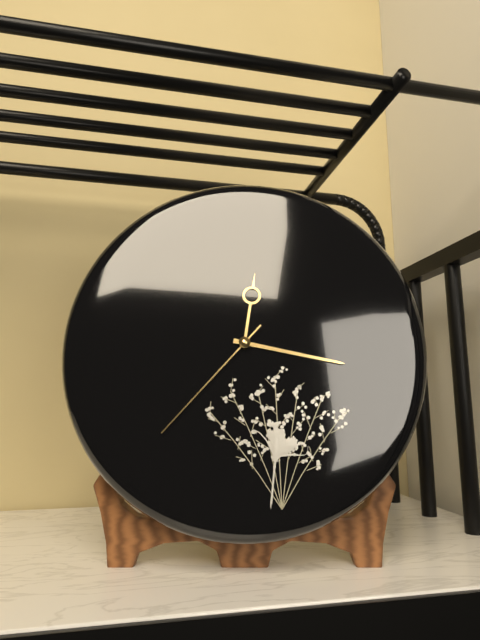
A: 12 h 17 min 37 s
